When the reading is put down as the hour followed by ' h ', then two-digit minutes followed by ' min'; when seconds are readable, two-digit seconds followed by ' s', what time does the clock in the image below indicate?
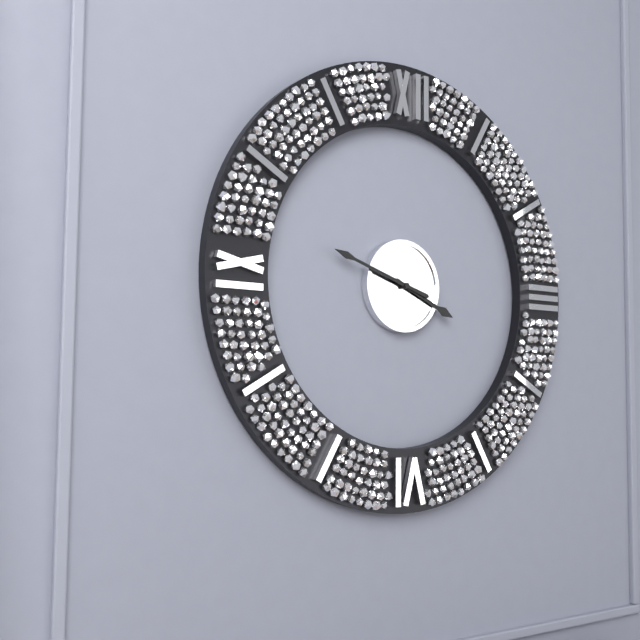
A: 3 h 48 min
